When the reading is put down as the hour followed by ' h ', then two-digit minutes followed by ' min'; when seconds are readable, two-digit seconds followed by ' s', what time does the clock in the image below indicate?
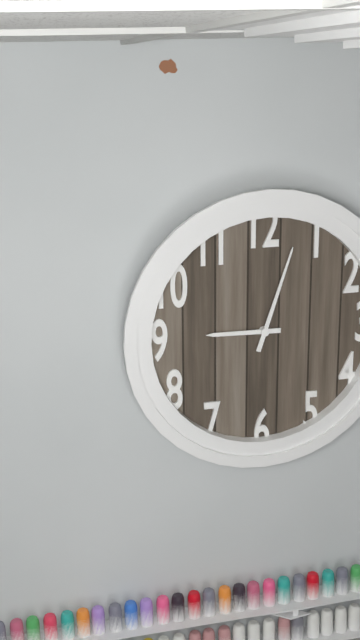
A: 9 h 03 min
